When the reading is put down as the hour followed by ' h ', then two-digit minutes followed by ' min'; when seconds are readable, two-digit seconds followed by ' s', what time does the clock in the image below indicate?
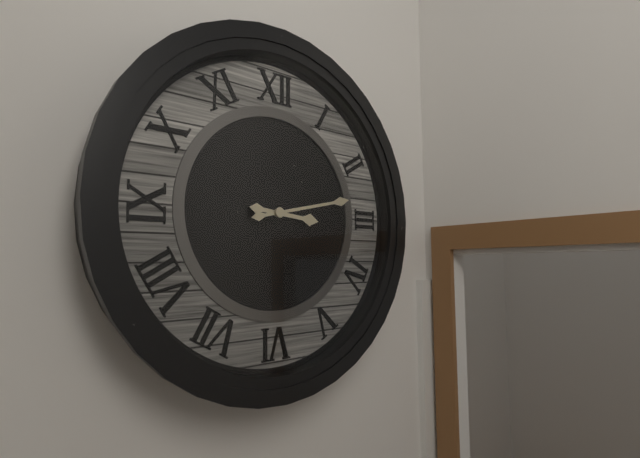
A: 3 h 13 min
